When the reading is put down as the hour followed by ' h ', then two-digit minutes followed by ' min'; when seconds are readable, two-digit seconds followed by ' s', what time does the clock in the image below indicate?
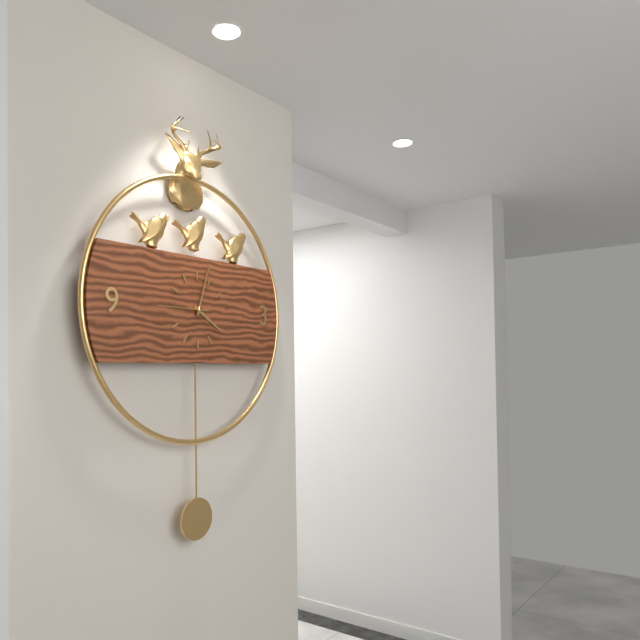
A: 4 h 03 min 45 s
